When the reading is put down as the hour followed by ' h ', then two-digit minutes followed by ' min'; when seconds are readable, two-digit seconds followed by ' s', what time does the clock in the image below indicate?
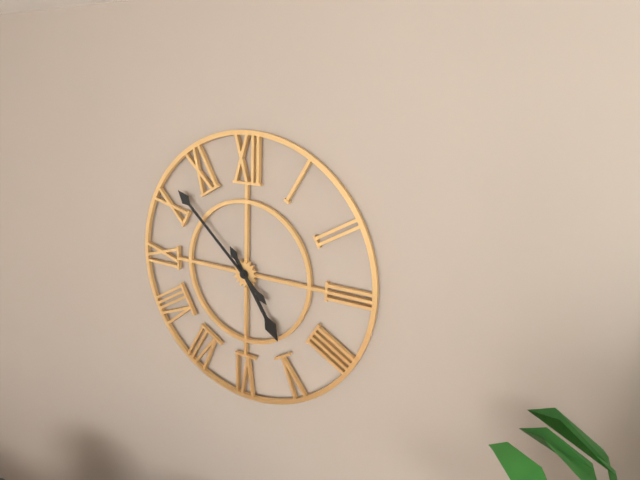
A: 4 h 52 min
